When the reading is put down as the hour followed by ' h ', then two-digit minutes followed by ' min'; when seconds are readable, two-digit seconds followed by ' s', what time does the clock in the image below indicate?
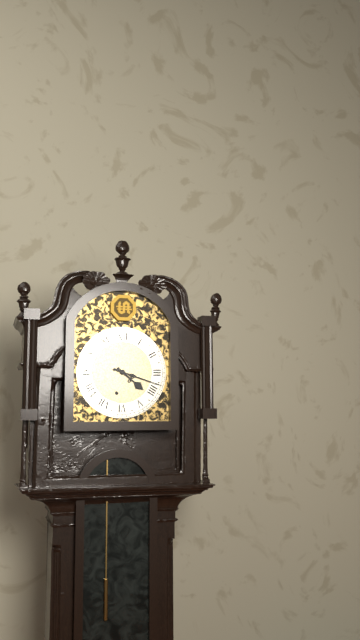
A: 4 h 18 min
